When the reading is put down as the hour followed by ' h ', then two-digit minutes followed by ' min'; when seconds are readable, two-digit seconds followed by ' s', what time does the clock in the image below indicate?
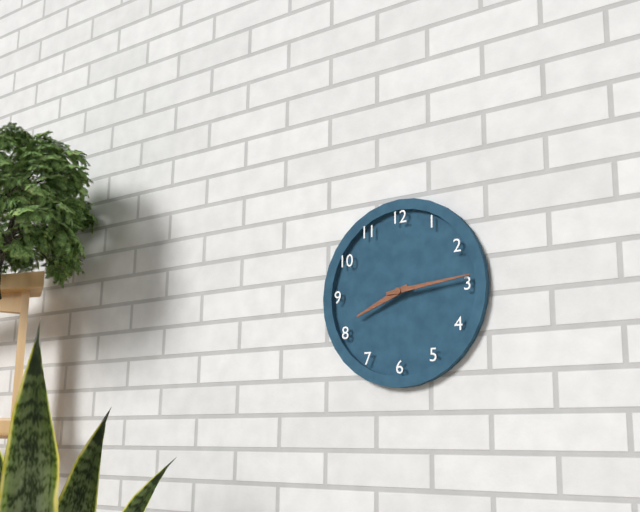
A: 8 h 14 min
